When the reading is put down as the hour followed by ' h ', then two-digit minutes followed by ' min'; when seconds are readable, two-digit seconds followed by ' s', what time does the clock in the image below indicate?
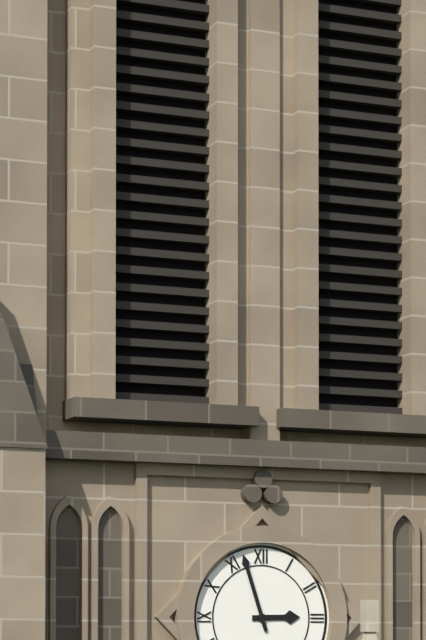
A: 2 h 57 min
